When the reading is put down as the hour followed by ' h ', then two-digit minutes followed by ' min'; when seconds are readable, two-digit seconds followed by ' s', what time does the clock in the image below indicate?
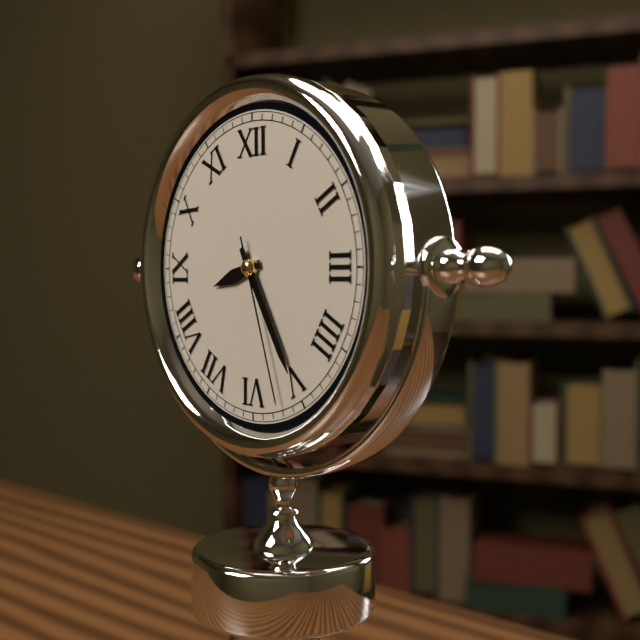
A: 8 h 25 min 27 s
